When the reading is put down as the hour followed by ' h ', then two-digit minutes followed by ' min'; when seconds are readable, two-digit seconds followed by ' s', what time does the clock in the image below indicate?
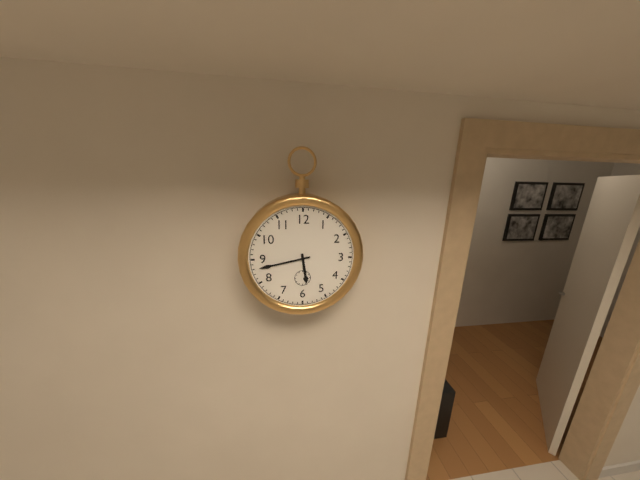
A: 5 h 43 min
